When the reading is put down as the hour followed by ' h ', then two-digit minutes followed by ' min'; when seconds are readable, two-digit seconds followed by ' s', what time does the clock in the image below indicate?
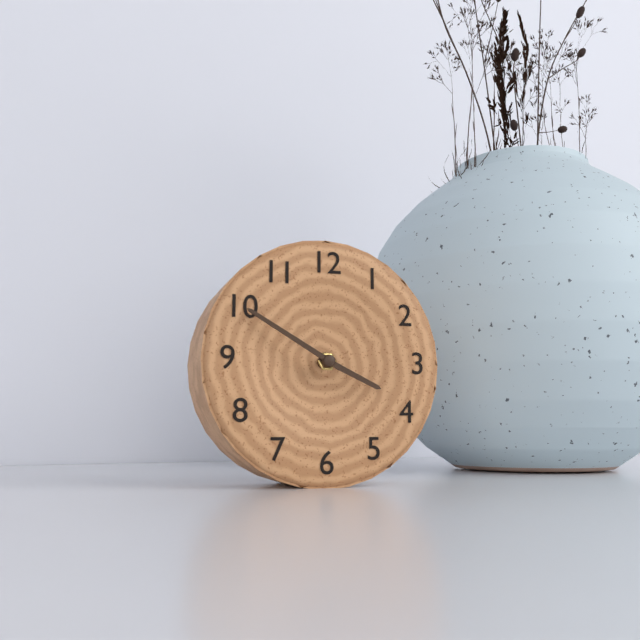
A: 3 h 50 min
